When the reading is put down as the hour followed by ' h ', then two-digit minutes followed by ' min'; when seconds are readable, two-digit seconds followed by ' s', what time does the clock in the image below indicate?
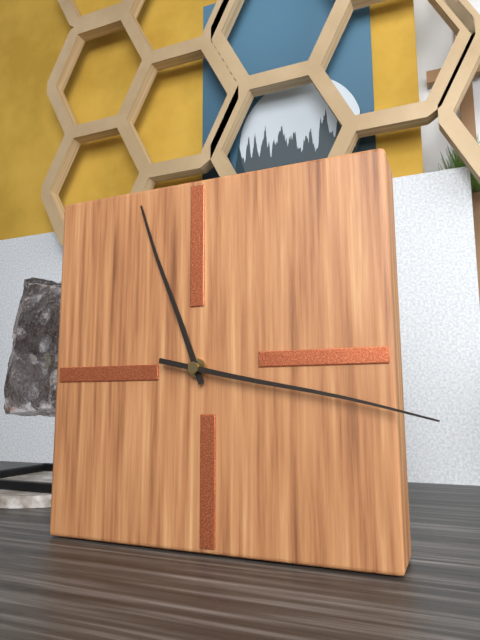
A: 11 h 17 min
